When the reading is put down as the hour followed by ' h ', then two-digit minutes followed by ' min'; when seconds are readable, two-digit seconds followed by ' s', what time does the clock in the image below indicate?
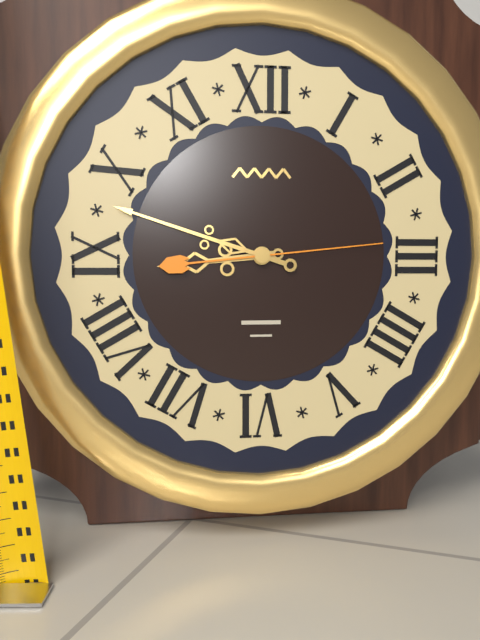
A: 8 h 48 min 14 s
